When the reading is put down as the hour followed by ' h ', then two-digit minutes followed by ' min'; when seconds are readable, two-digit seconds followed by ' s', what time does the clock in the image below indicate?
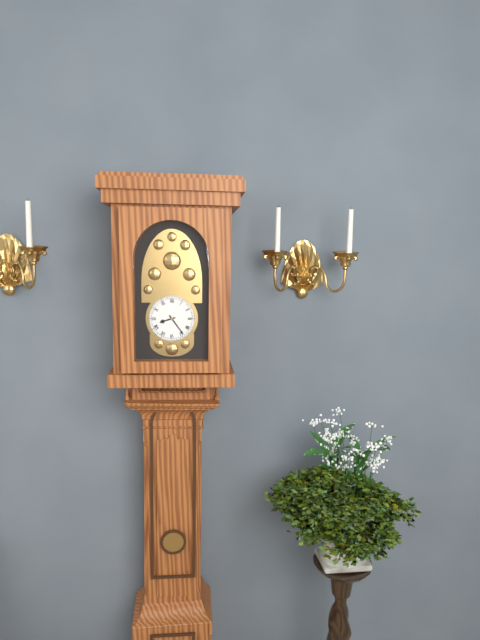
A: 8 h 24 min
